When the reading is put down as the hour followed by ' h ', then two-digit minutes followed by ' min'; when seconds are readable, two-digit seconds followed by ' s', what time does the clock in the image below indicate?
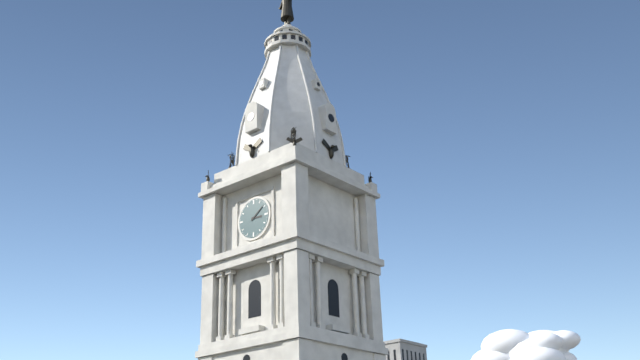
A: 3 h 09 min
